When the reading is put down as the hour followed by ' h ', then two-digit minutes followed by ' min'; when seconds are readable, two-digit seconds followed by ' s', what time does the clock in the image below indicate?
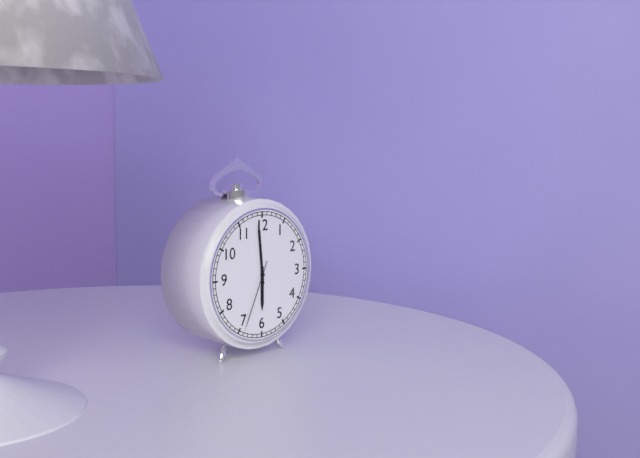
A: 5 h 59 min 34 s
